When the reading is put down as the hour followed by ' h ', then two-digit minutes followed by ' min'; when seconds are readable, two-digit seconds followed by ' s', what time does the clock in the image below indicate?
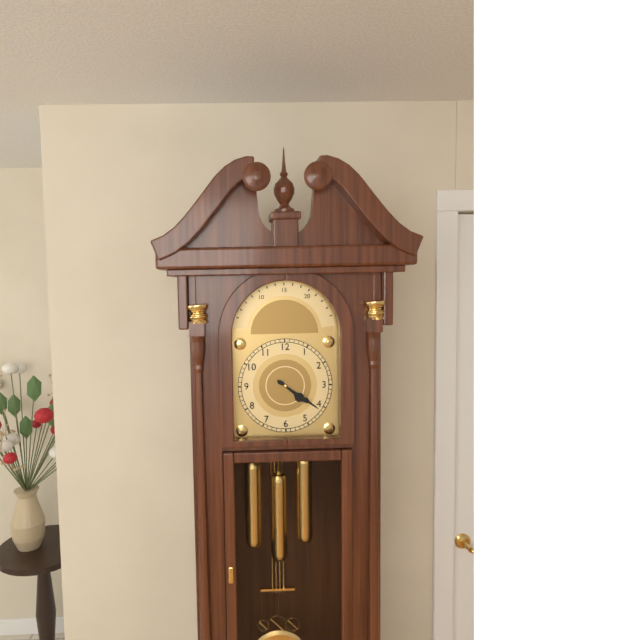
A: 4 h 21 min
